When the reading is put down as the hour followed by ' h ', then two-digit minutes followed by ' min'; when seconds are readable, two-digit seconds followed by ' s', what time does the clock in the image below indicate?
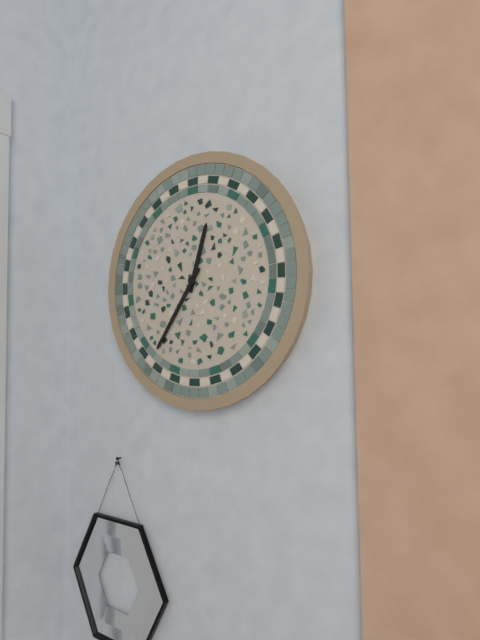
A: 12 h 36 min
